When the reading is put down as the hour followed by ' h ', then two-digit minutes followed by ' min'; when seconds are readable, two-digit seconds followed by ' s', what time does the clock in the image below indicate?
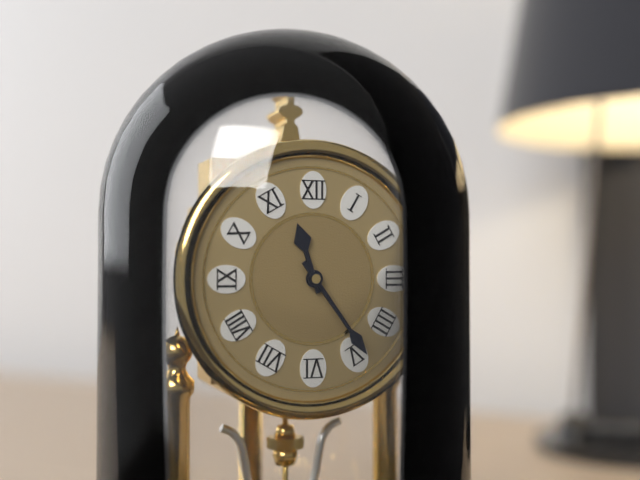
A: 11 h 24 min
